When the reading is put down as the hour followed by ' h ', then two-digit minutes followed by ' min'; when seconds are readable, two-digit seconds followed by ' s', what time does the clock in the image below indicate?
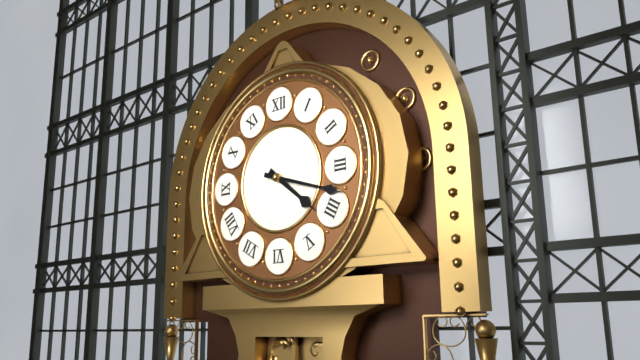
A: 4 h 18 min
